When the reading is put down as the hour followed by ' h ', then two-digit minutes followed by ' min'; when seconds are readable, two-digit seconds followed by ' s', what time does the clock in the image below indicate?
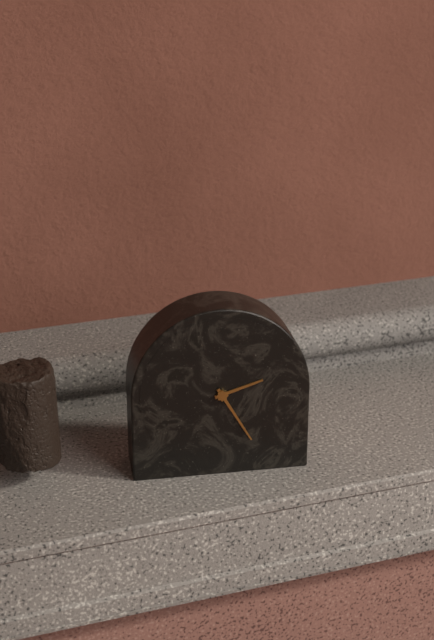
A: 2 h 25 min
